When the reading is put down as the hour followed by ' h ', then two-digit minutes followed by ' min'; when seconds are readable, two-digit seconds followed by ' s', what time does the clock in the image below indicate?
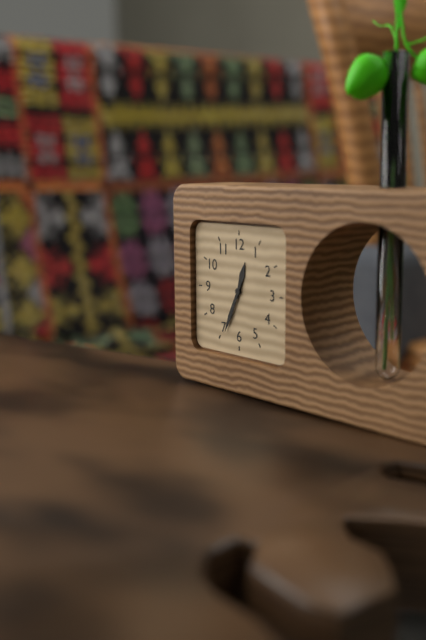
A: 12 h 34 min
